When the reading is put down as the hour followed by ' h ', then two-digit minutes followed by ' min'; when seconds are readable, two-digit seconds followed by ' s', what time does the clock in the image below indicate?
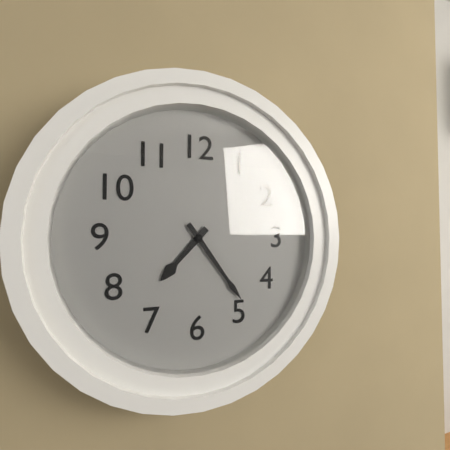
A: 7 h 24 min
